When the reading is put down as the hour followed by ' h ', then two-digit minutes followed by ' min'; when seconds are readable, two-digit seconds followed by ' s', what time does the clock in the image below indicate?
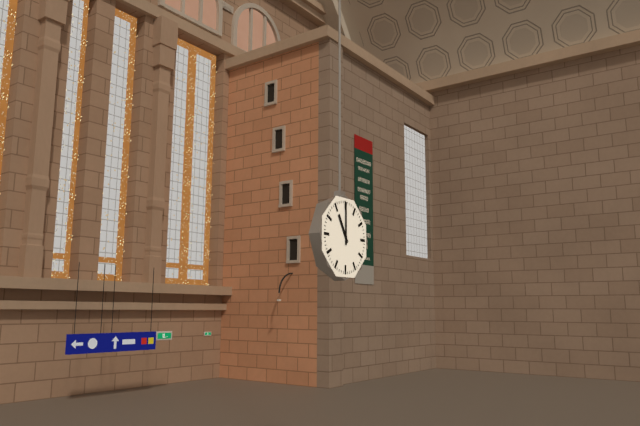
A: 11 h 00 min
